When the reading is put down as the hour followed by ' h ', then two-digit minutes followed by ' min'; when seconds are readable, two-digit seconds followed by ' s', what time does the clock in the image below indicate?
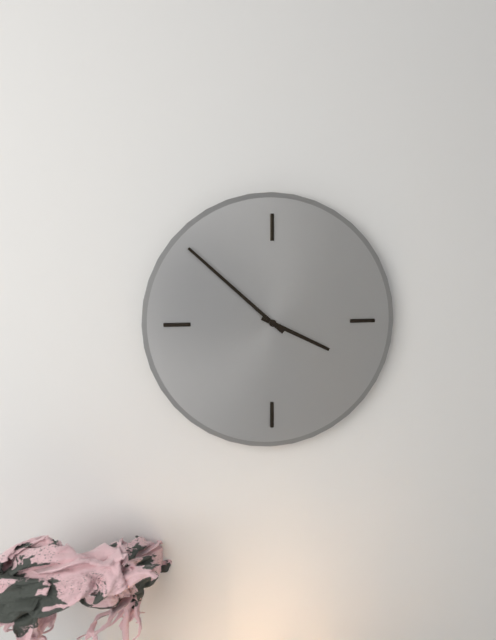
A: 3 h 52 min
